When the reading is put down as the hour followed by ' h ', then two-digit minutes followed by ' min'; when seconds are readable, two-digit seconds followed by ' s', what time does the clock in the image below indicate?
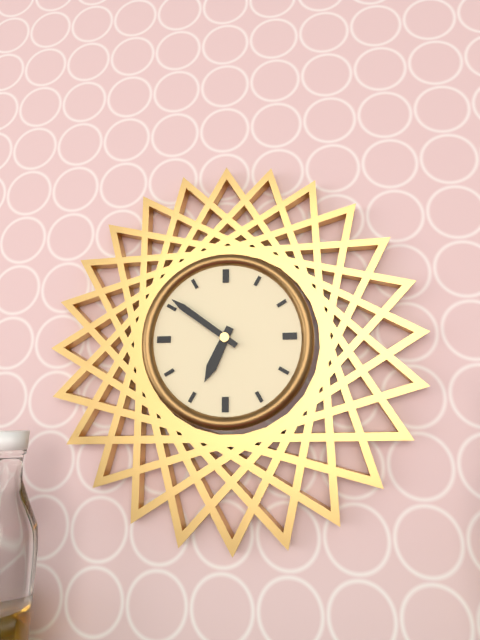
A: 6 h 51 min
